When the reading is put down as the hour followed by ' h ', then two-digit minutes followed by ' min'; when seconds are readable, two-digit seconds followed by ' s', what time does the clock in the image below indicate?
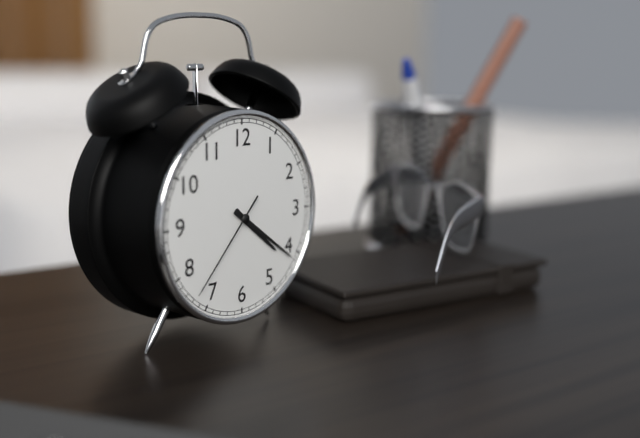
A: 4 h 21 min 37 s
